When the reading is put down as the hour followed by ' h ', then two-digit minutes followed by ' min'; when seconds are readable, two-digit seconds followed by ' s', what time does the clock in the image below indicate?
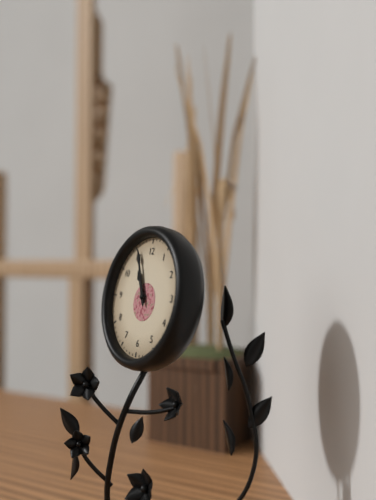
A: 10 h 56 min
